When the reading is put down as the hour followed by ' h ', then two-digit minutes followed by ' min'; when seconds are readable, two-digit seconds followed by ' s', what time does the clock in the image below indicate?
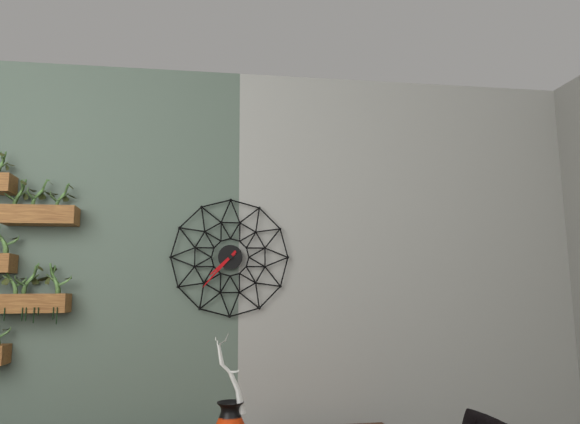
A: 7 h 37 min
